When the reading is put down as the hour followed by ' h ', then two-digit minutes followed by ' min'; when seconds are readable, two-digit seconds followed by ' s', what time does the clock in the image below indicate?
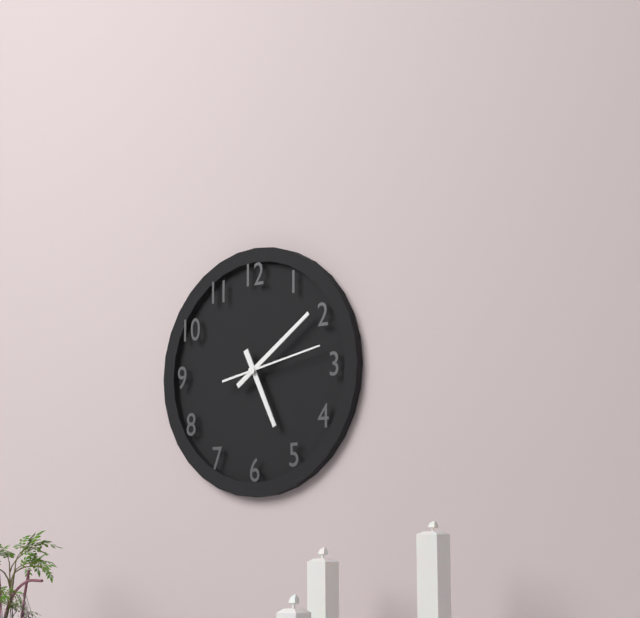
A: 5 h 09 min 13 s
